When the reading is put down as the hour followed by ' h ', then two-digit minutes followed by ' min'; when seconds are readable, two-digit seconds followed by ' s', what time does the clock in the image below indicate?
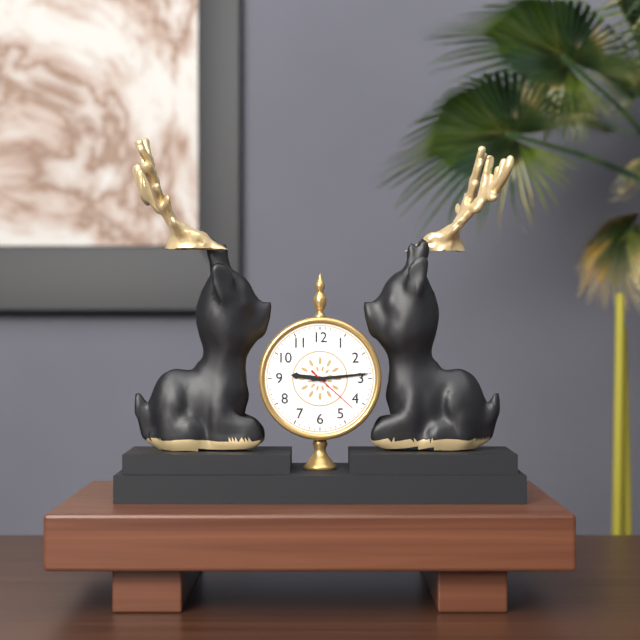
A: 9 h 14 min 22 s
